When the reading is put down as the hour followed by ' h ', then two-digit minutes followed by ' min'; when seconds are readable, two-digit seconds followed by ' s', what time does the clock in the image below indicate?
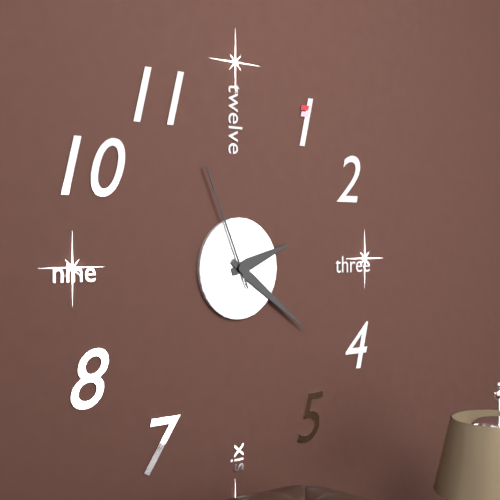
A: 2 h 21 min 56 s
